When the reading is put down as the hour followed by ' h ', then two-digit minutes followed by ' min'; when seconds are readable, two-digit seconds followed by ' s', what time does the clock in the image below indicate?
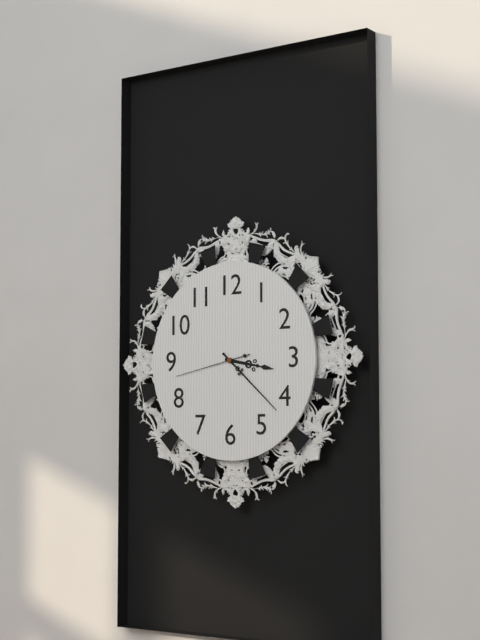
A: 3 h 22 min 43 s
